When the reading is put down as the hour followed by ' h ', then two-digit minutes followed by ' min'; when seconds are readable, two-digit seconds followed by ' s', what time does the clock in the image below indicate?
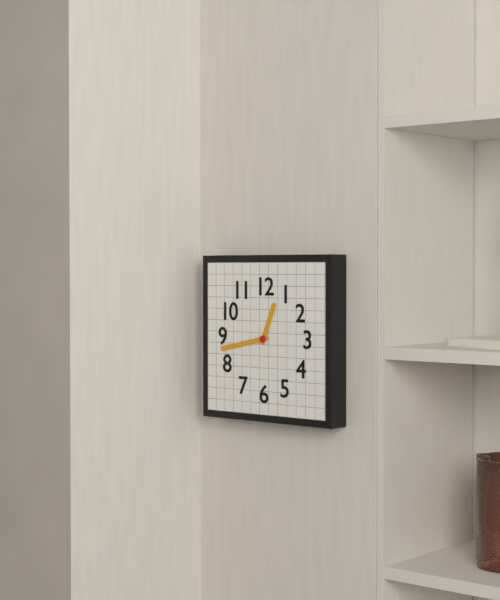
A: 12 h 43 min
